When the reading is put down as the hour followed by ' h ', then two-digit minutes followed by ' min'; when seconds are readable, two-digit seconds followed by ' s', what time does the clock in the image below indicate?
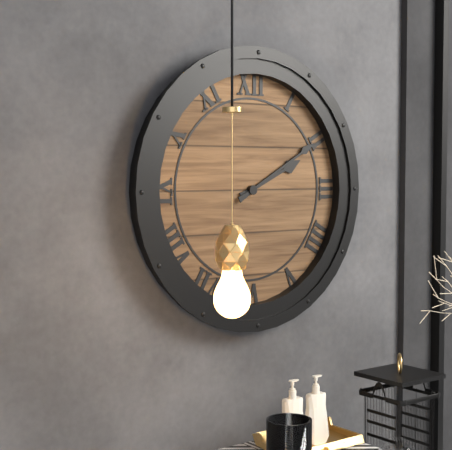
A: 2 h 10 min
